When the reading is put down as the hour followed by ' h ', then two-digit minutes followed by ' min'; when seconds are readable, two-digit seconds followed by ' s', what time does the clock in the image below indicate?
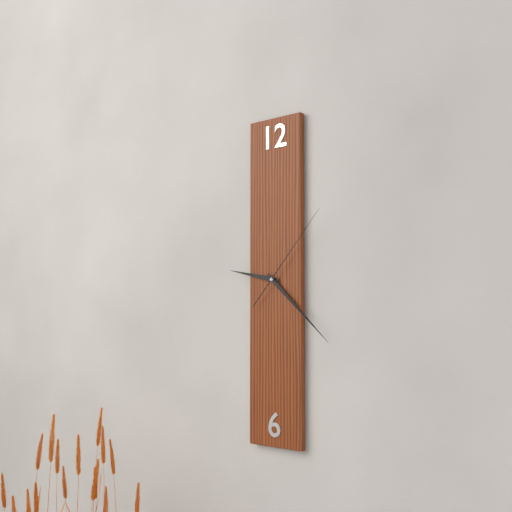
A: 9 h 22 min 07 s
